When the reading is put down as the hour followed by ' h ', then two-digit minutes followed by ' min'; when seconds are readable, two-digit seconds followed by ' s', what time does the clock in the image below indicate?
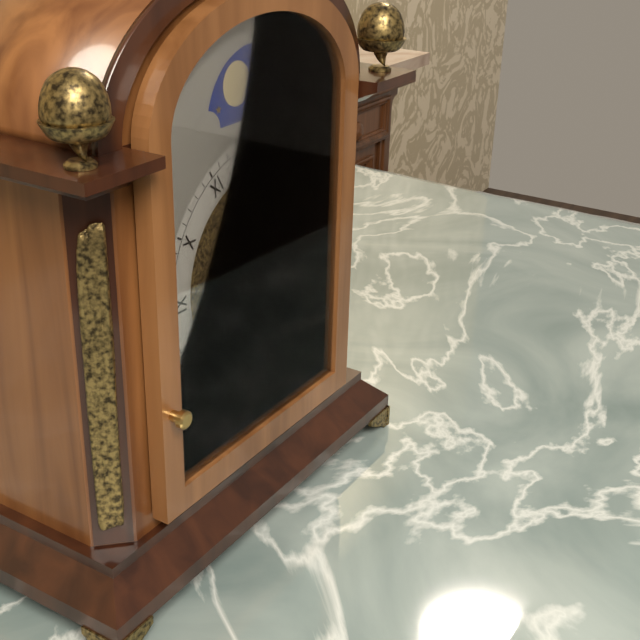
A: 12 h 05 min
